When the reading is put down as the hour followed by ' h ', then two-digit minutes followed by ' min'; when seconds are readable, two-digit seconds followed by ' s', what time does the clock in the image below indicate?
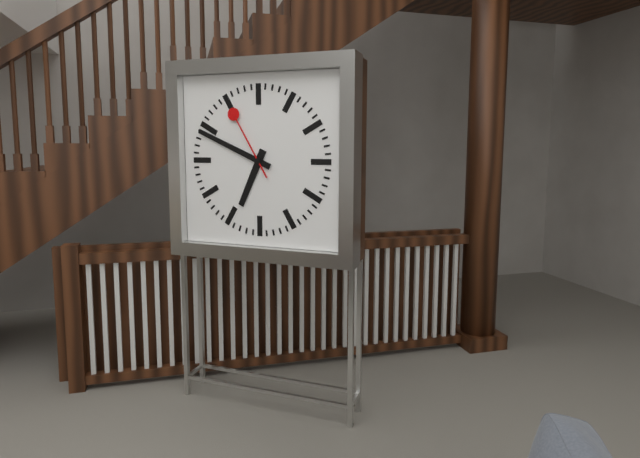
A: 6 h 49 min 55 s
